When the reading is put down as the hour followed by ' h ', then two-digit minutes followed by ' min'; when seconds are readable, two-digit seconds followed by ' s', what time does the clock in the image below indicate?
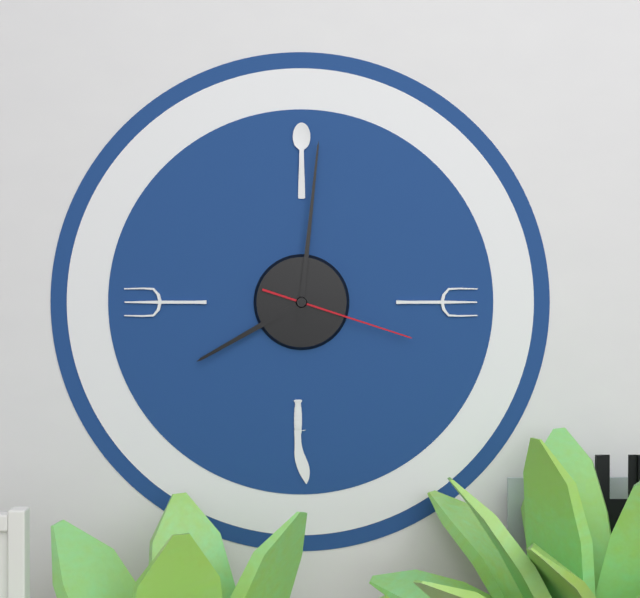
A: 8 h 01 min 18 s
